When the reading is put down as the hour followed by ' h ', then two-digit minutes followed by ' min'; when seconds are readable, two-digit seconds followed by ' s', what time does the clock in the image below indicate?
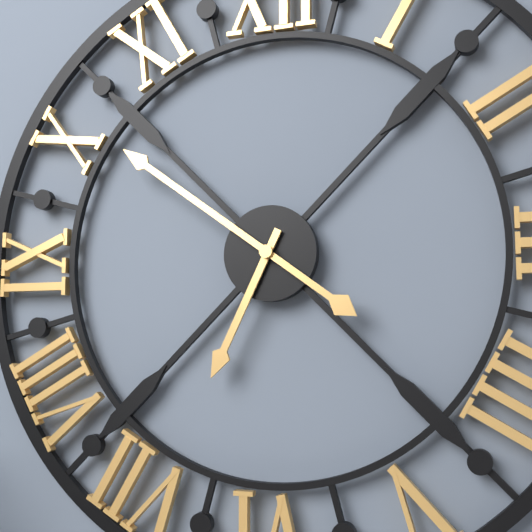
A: 6 h 51 min
